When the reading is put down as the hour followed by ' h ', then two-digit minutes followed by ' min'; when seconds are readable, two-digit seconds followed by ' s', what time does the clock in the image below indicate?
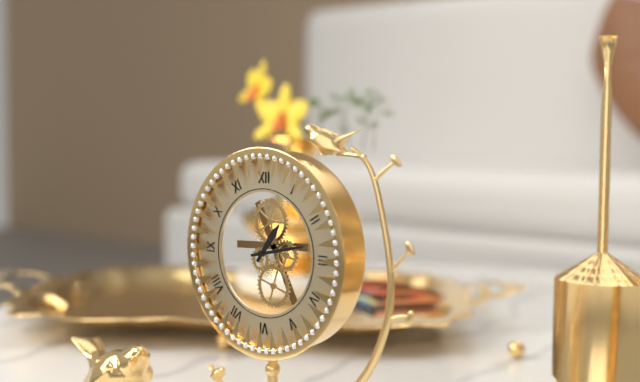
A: 1 h 13 min
